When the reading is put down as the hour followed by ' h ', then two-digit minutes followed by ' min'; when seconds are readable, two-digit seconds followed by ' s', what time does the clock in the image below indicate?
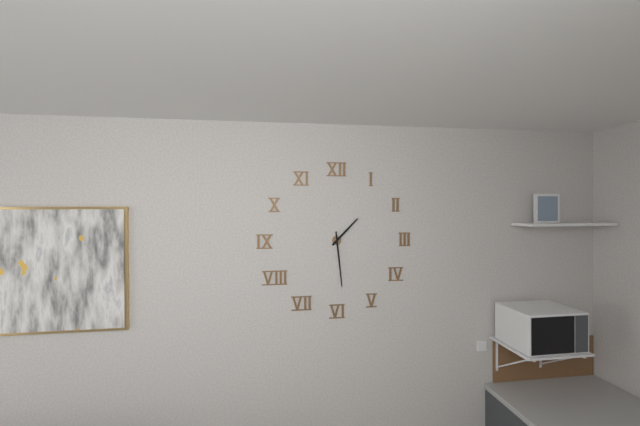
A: 1 h 29 min
